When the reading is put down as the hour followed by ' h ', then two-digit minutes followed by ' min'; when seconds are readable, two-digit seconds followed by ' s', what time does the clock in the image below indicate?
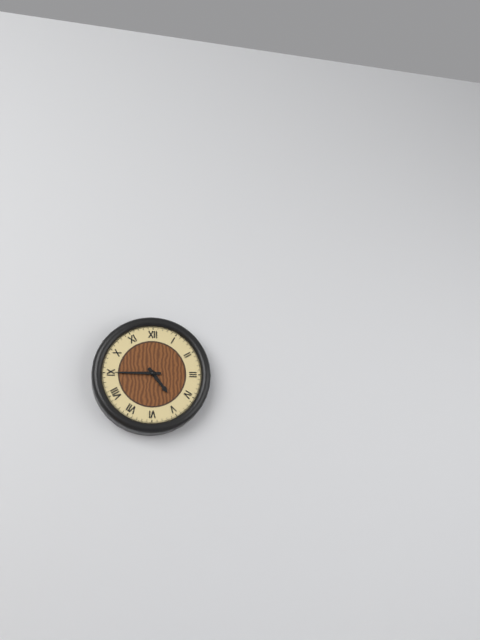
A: 4 h 45 min
